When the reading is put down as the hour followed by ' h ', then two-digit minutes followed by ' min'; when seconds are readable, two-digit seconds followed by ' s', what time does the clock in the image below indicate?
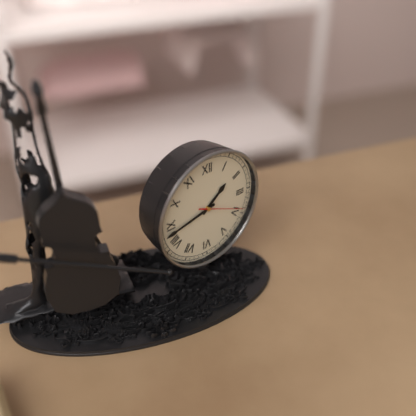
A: 1 h 43 min
